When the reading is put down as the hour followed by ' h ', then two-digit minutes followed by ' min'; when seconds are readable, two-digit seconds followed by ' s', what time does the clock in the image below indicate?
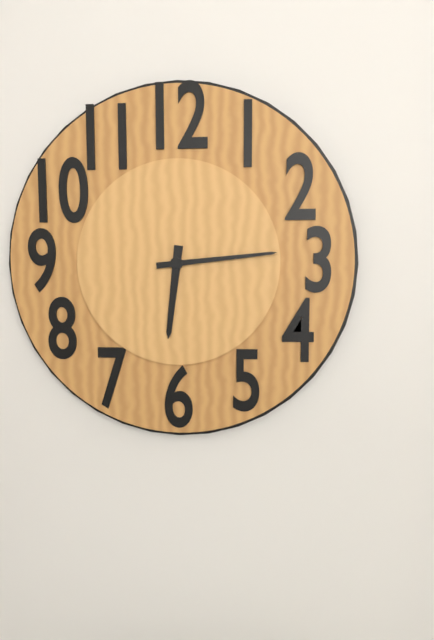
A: 6 h 14 min
